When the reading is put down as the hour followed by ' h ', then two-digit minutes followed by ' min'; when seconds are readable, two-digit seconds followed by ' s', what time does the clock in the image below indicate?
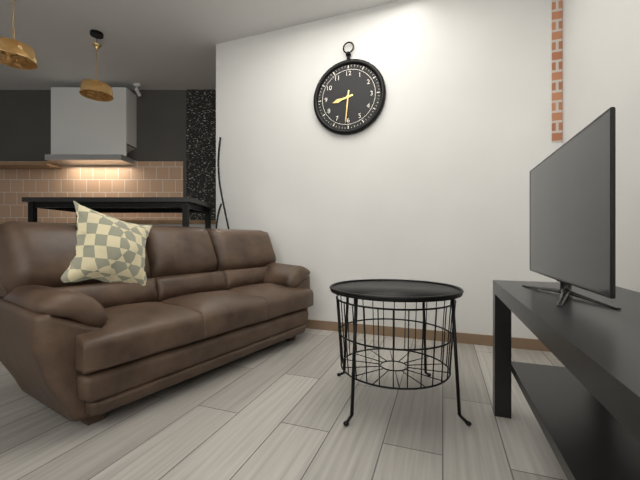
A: 8 h 31 min
